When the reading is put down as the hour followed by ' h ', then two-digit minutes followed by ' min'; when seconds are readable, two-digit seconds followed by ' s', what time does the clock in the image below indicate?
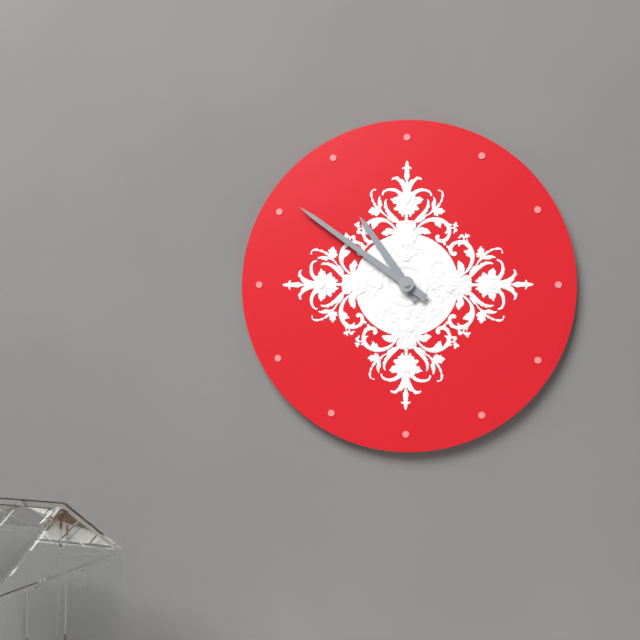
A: 10 h 51 min
